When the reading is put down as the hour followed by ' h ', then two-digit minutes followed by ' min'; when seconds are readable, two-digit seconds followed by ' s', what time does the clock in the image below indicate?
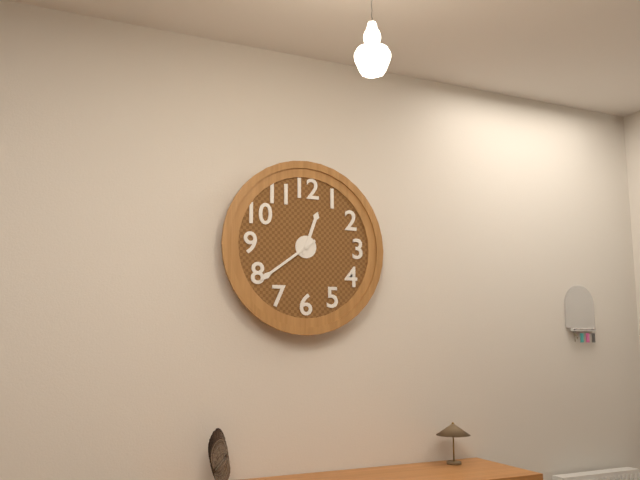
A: 12 h 39 min
